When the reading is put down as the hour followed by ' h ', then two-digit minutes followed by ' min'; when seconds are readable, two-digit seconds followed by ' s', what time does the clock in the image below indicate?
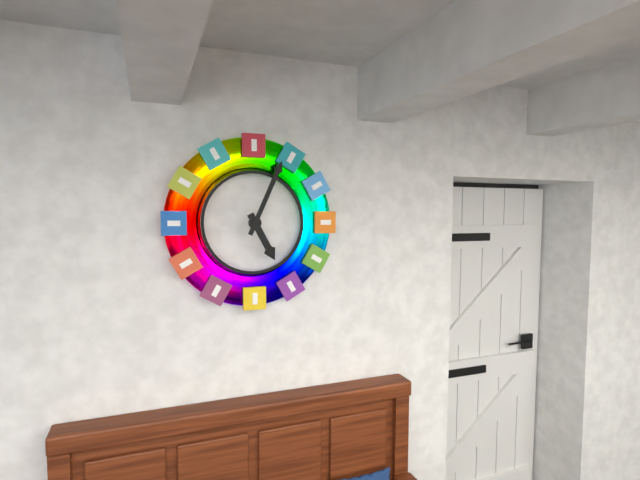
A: 5 h 04 min
